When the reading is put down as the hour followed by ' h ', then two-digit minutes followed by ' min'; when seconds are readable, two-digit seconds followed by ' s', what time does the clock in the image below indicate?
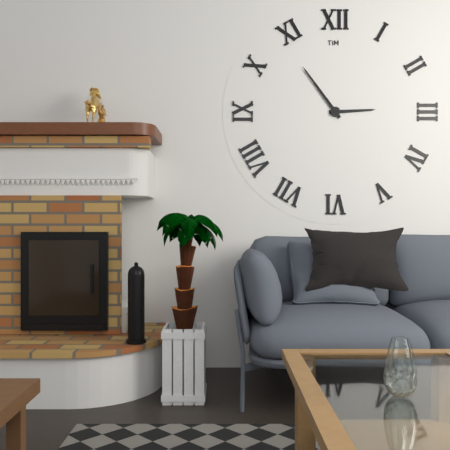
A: 2 h 54 min
